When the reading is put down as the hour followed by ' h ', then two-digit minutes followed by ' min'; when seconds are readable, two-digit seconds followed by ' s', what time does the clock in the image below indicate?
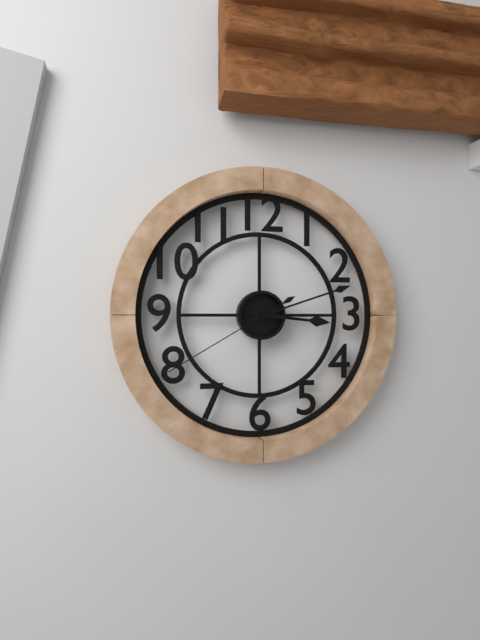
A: 3 h 12 min 40 s
